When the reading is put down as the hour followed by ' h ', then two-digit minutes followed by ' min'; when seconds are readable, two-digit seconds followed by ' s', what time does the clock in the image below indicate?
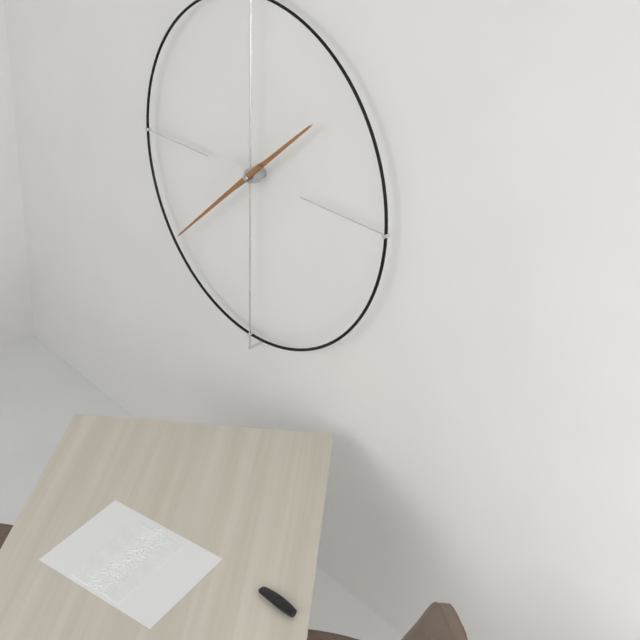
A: 1 h 38 min
